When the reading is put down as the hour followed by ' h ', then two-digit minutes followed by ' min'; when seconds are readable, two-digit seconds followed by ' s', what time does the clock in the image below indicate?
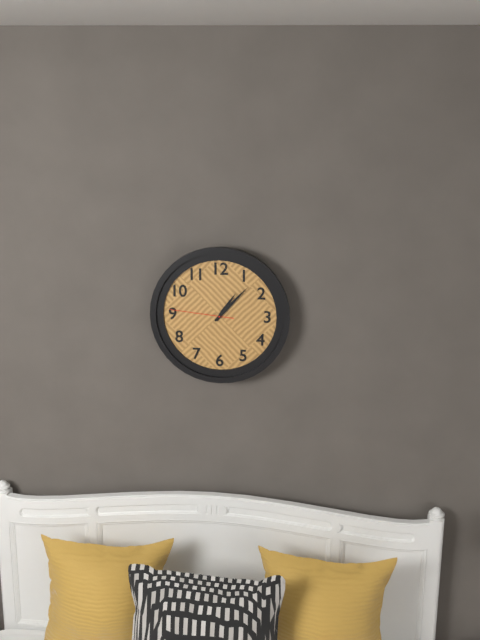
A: 1 h 07 min 46 s
